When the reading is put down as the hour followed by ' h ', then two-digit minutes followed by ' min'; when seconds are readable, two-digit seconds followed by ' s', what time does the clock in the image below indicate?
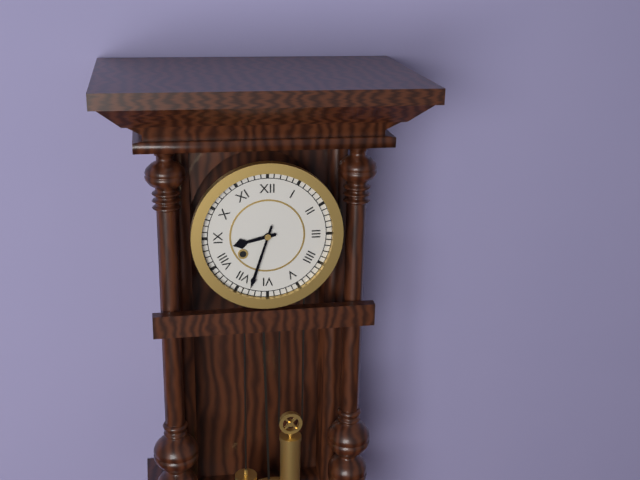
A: 8 h 33 min
